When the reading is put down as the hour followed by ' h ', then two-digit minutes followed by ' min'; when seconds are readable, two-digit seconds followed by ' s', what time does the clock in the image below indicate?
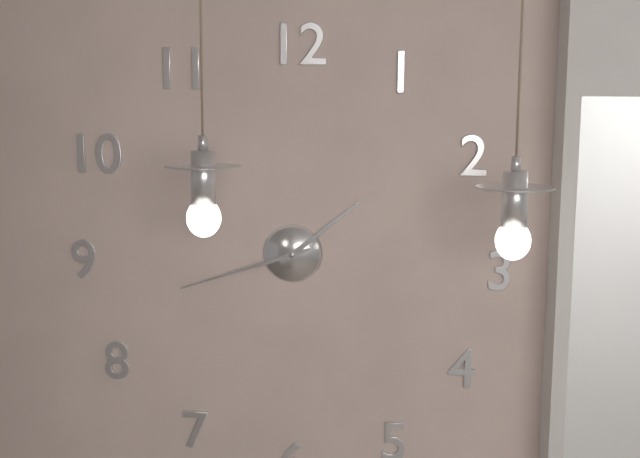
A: 1 h 42 min
